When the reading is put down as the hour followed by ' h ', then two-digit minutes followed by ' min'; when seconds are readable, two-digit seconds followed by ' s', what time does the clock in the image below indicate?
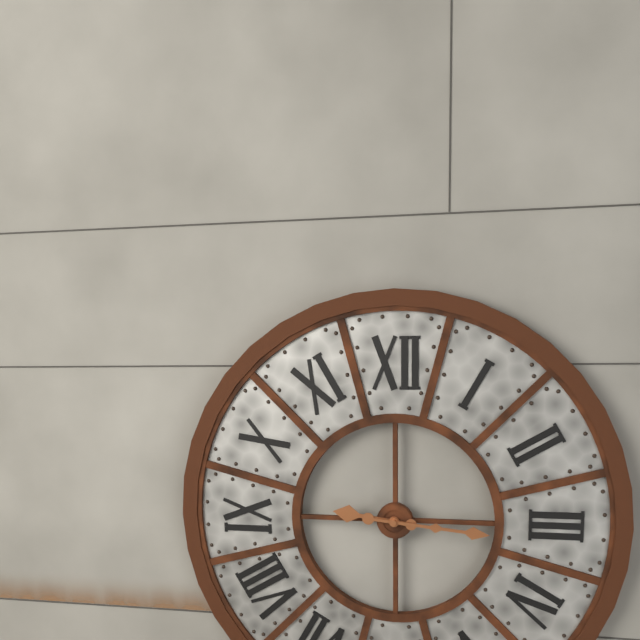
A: 9 h 16 min
